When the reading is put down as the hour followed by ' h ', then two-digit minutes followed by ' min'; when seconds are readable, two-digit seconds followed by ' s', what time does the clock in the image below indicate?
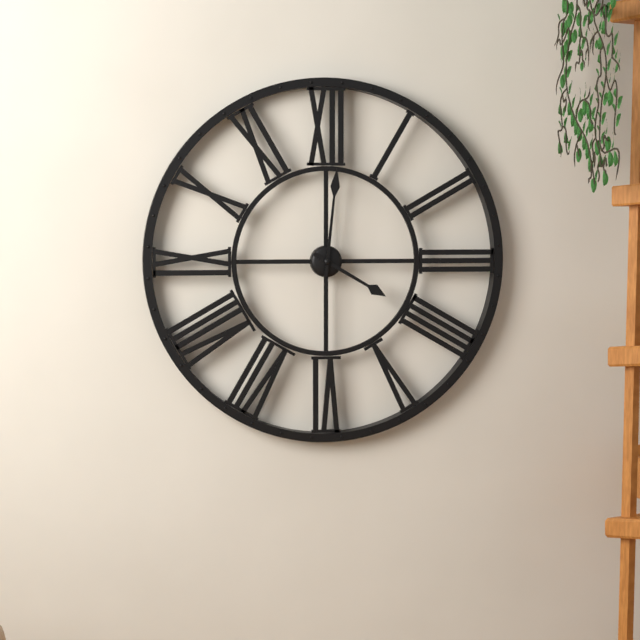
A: 4 h 01 min
